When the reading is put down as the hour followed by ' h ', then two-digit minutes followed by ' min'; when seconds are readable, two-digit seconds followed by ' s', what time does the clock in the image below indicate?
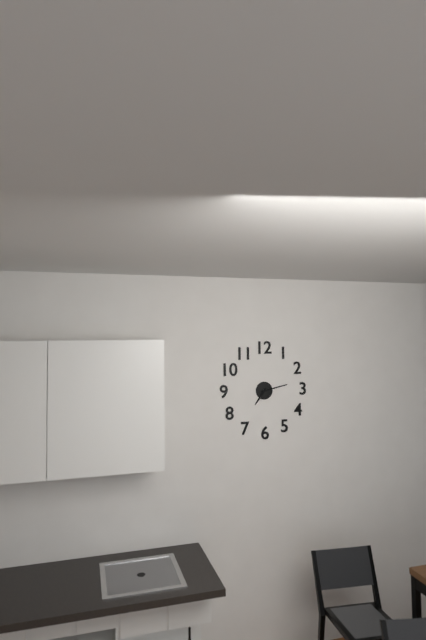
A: 7 h 13 min
